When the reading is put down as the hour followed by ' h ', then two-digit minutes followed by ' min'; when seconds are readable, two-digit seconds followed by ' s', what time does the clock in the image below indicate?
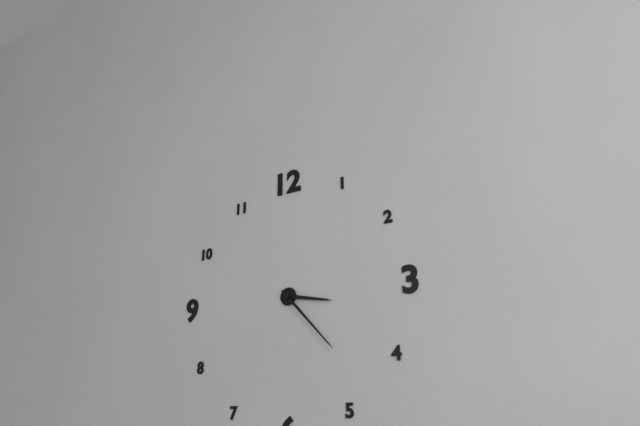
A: 3 h 23 min
